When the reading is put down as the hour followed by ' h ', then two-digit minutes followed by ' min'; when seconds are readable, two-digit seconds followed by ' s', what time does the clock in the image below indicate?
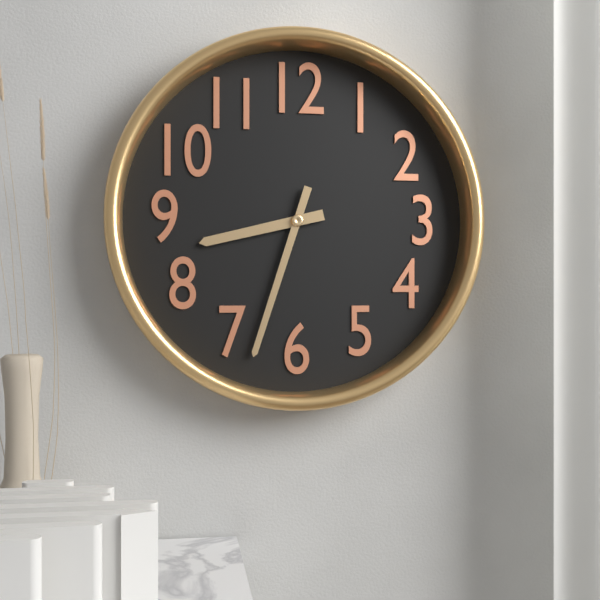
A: 8 h 33 min
